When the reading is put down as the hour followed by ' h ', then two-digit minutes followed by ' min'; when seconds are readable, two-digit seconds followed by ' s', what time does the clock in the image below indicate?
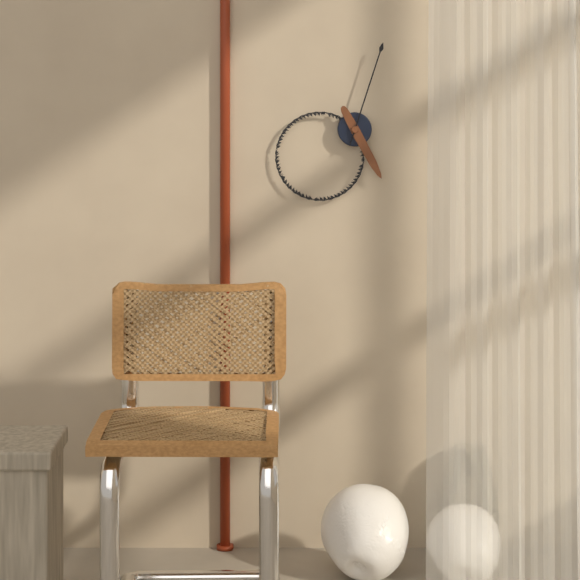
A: 5 h 03 min
